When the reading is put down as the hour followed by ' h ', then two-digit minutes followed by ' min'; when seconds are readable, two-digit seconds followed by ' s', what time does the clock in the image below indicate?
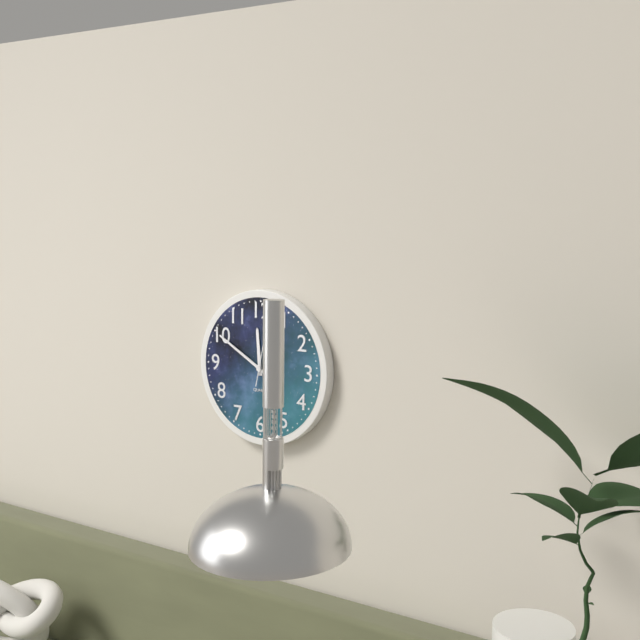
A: 11 h 50 min
